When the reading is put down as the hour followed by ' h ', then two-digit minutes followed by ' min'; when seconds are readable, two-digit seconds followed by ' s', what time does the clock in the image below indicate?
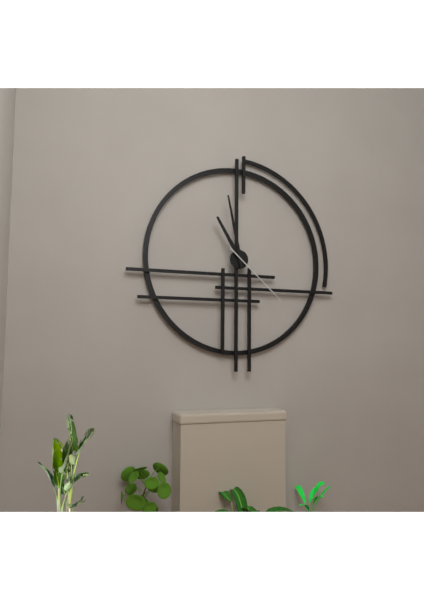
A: 10 h 58 min 22 s
